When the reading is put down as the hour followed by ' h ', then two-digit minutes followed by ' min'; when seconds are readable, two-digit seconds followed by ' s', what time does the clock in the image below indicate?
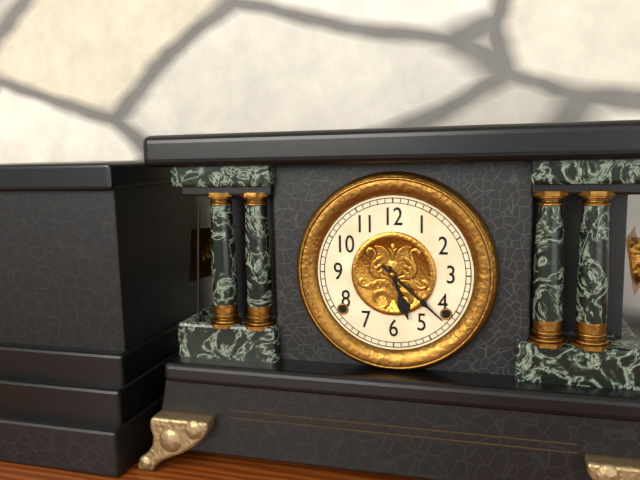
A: 5 h 22 min
